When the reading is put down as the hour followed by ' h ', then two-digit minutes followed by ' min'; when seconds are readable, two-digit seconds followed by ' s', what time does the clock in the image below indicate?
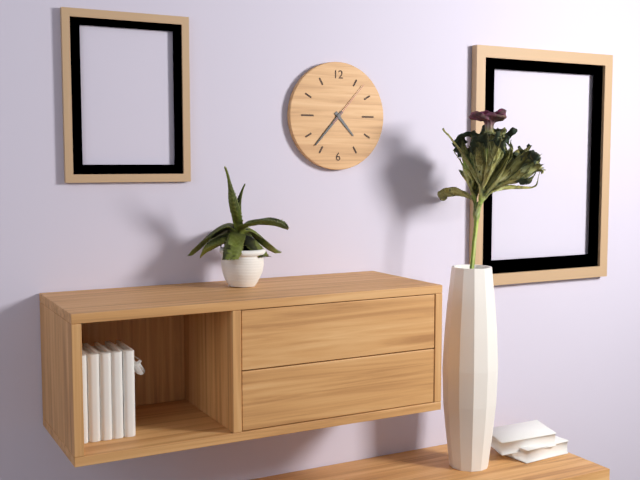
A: 4 h 37 min 07 s
